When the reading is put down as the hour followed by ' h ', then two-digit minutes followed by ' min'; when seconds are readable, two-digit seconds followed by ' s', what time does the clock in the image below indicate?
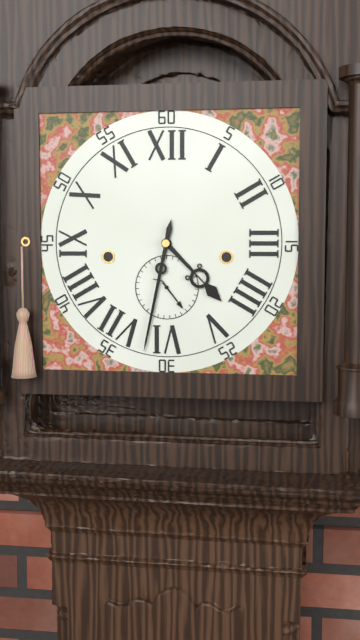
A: 4 h 32 min
